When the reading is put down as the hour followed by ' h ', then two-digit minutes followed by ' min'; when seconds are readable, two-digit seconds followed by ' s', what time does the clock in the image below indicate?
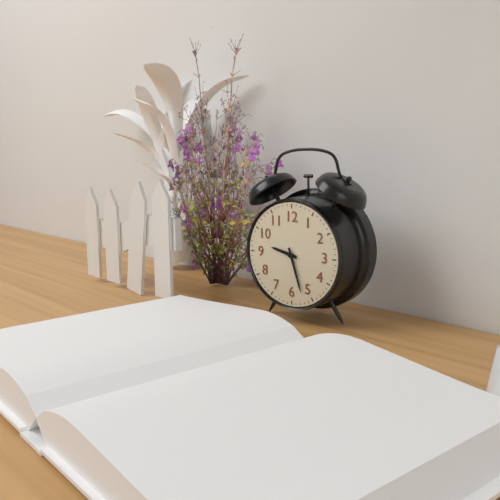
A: 9 h 27 min
